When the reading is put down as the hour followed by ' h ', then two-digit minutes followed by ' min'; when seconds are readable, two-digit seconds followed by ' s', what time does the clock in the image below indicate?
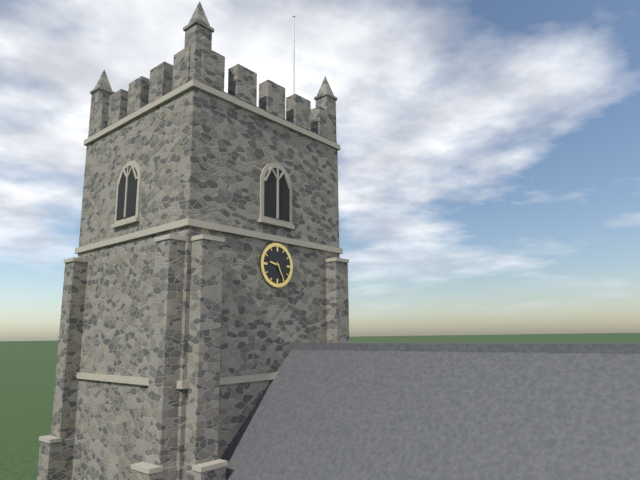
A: 9 h 25 min
